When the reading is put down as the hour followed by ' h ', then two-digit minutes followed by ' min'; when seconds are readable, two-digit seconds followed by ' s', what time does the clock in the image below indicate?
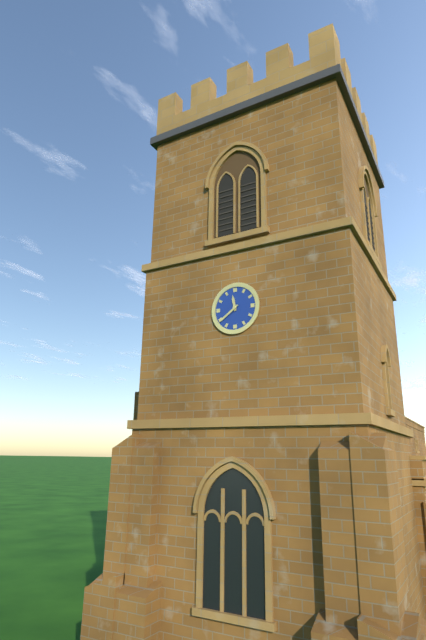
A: 11 h 39 min
